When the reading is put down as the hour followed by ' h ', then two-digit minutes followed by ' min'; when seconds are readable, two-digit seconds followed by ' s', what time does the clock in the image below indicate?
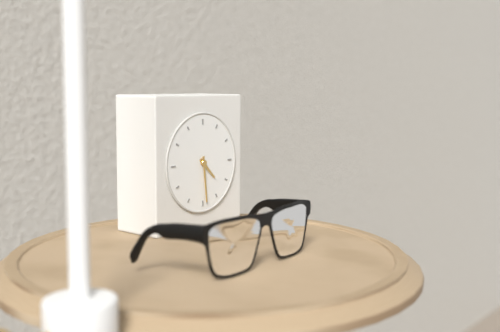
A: 4 h 29 min
